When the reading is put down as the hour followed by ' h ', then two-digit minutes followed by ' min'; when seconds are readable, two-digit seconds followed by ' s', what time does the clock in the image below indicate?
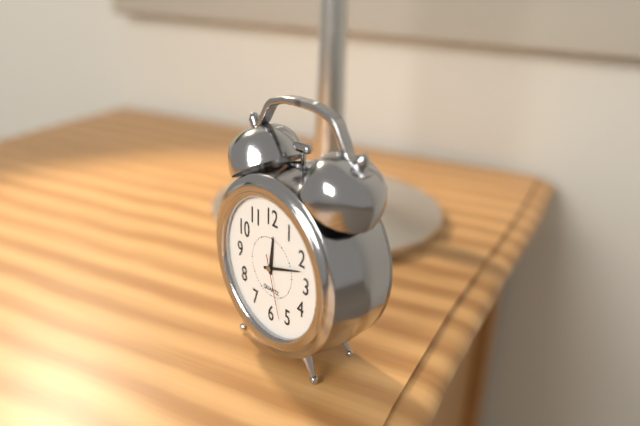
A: 12 h 12 min 27 s
